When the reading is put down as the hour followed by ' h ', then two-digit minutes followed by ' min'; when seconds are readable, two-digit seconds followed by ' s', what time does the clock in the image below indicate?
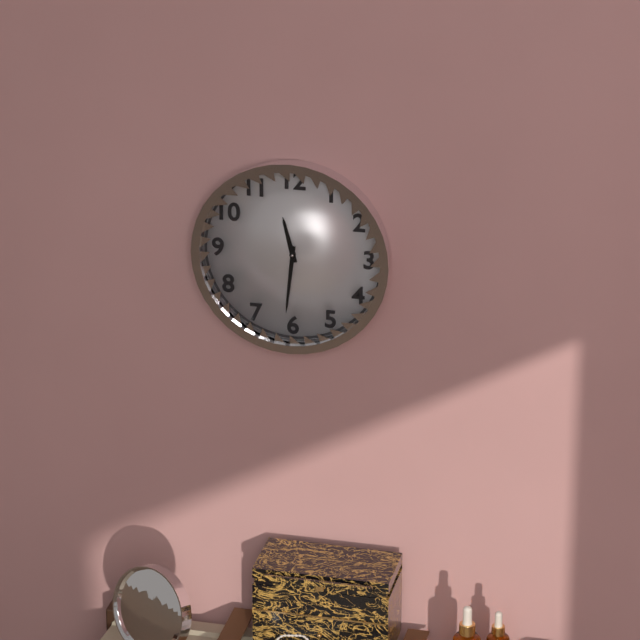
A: 11 h 31 min
